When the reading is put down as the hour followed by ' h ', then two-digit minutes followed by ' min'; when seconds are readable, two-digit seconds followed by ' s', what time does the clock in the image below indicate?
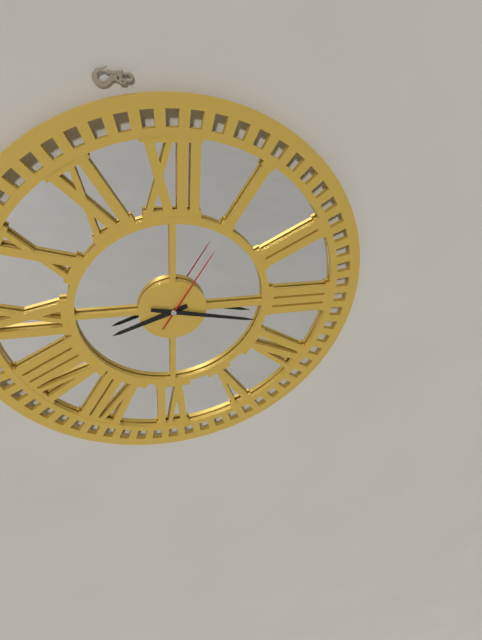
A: 8 h 17 min 05 s
